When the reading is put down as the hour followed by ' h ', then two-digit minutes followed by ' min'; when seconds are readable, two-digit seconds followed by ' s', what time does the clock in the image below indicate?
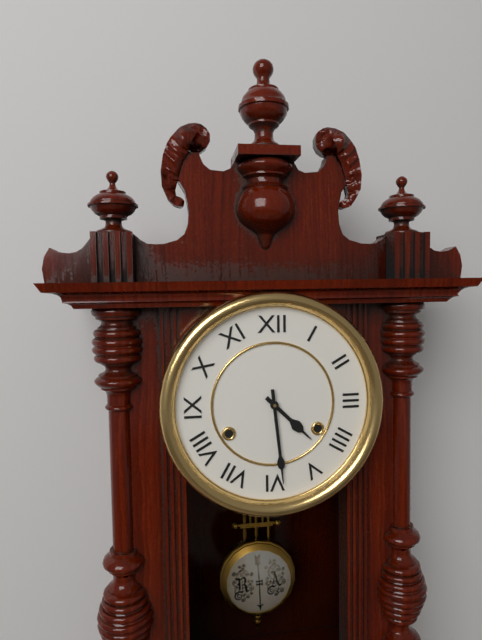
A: 4 h 29 min
